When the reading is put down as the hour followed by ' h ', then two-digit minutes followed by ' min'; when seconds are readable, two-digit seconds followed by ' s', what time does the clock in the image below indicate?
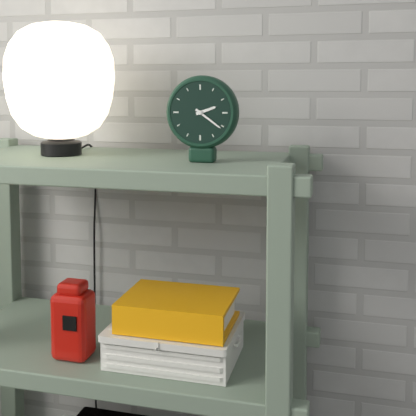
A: 2 h 21 min
